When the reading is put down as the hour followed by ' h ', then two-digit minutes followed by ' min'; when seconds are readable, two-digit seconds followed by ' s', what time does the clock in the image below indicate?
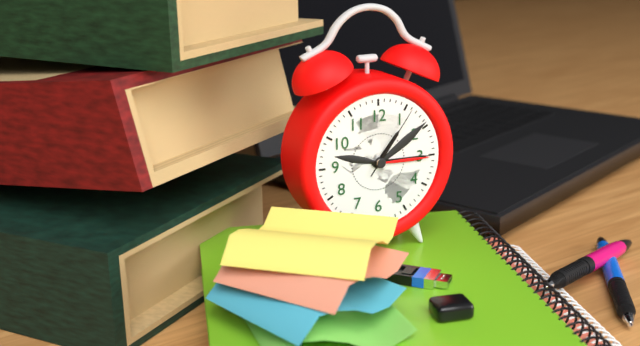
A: 1 h 15 min 06 s
